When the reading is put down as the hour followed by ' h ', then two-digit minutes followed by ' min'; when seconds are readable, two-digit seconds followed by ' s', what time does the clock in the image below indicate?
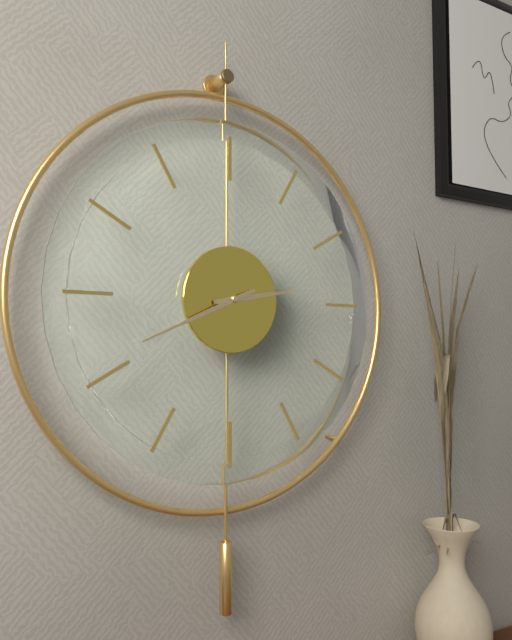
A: 2 h 41 min
